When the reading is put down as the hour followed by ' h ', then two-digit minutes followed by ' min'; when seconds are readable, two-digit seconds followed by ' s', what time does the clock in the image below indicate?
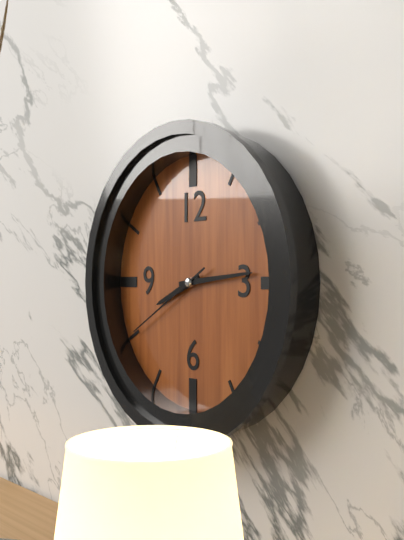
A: 8 h 14 min 40 s
